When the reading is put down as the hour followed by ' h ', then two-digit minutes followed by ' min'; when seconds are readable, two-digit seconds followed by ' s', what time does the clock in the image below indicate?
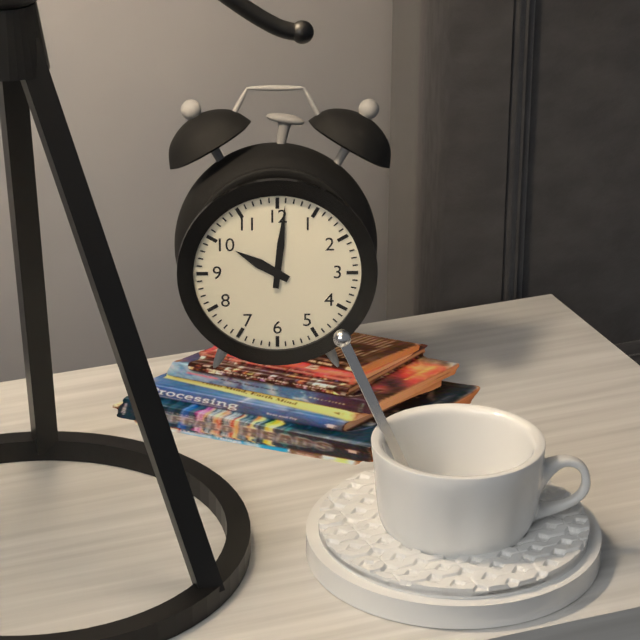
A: 10 h 01 min
